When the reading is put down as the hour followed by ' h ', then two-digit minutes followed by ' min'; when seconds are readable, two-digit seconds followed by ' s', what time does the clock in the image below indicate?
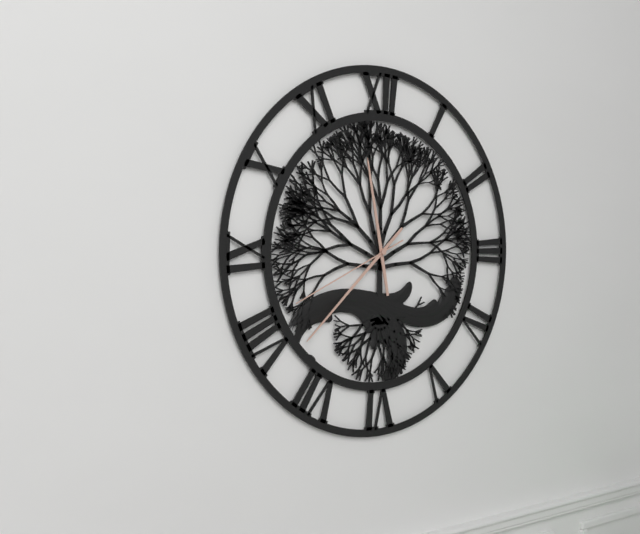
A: 11 h 38 min 41 s
